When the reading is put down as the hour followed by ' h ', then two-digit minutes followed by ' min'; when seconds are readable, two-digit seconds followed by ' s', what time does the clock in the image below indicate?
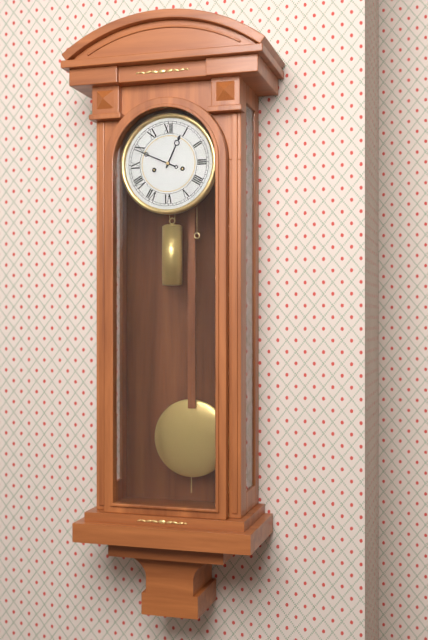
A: 12 h 49 min
